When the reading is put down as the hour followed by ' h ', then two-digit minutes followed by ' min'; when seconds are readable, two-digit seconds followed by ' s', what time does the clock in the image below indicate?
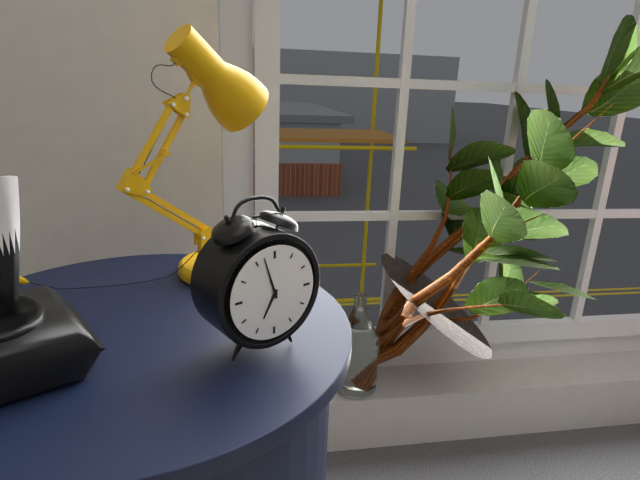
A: 6 h 57 min
